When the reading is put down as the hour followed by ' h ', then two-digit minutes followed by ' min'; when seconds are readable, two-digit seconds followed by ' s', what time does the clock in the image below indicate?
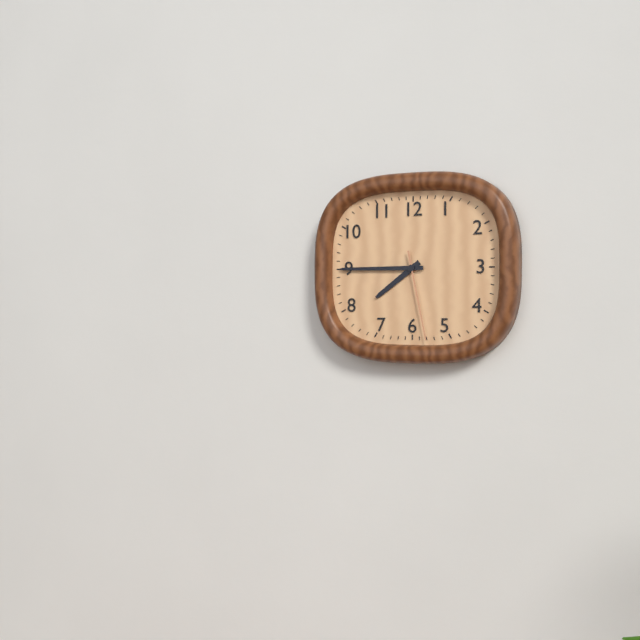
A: 7 h 45 min 28 s
